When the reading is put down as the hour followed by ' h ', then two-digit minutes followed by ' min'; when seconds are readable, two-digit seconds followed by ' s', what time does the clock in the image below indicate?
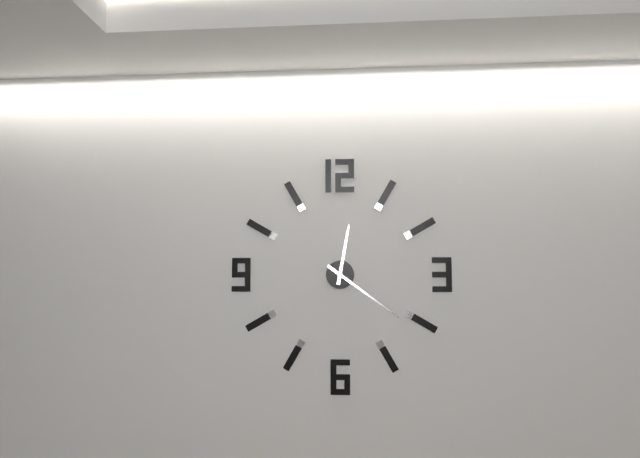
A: 12 h 21 min
